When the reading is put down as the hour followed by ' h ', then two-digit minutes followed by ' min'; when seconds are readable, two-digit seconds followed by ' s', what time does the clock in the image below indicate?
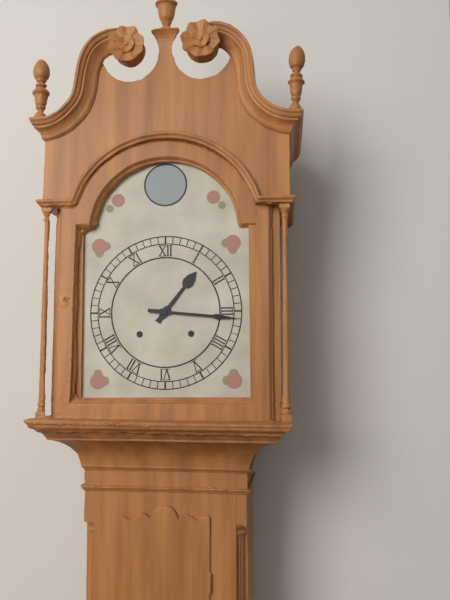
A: 1 h 16 min
